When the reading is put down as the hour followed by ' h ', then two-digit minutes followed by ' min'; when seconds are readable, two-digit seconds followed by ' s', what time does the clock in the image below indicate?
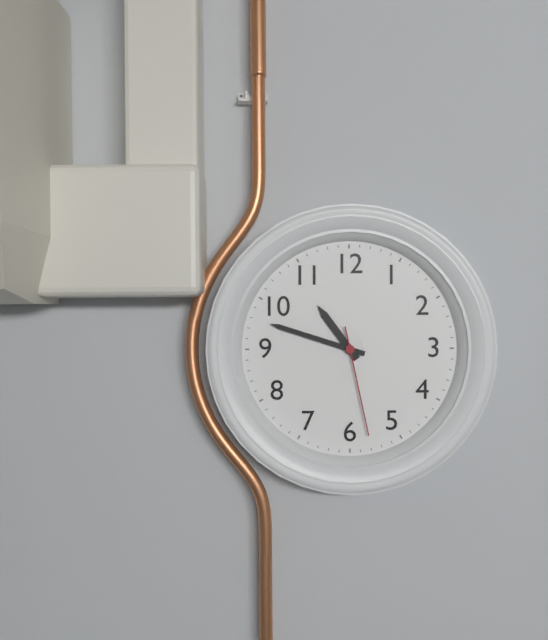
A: 10 h 48 min 28 s
